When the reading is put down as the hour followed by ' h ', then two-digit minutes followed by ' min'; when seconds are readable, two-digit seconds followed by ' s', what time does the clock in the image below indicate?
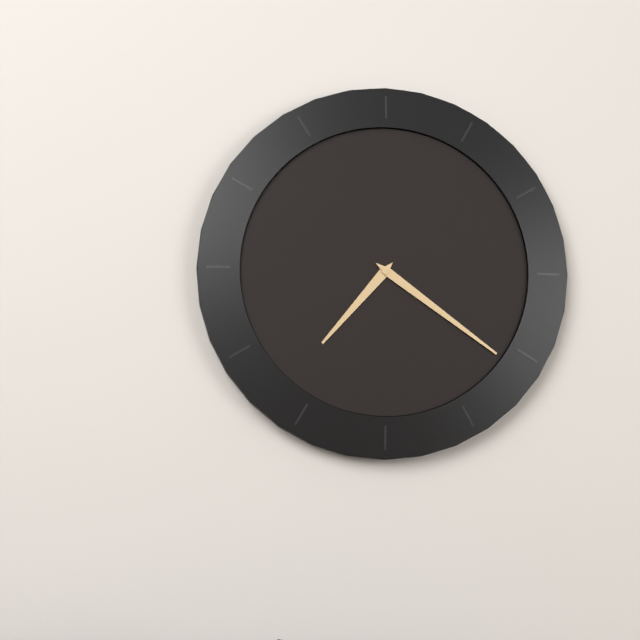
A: 7 h 21 min
